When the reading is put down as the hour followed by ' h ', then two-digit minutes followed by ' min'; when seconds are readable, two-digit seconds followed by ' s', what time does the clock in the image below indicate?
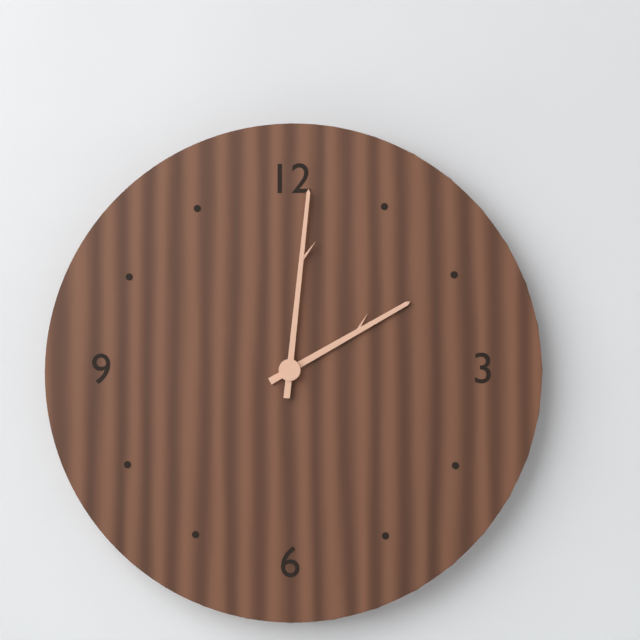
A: 2 h 01 min
